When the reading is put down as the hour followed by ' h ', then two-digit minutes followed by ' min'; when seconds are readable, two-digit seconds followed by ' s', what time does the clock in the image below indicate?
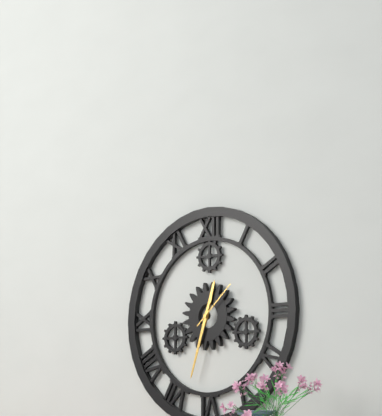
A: 12 h 33 min
